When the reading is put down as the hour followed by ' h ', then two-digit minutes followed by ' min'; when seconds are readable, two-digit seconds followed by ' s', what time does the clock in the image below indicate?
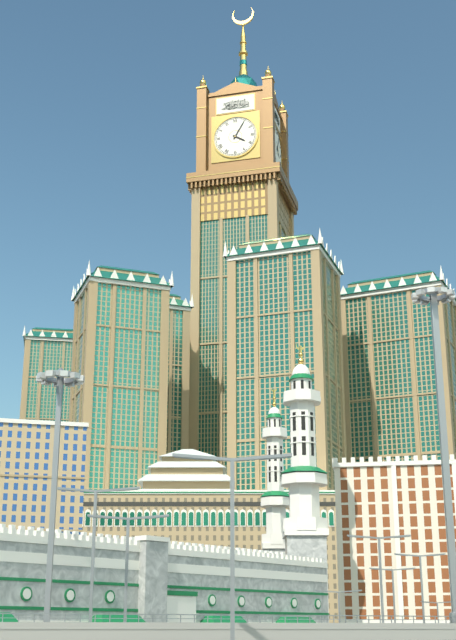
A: 4 h 05 min
